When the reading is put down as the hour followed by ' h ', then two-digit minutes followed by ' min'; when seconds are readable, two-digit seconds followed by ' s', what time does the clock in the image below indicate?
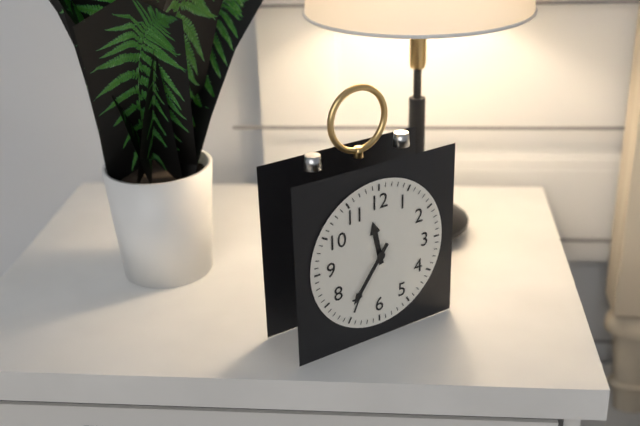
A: 11 h 36 min
